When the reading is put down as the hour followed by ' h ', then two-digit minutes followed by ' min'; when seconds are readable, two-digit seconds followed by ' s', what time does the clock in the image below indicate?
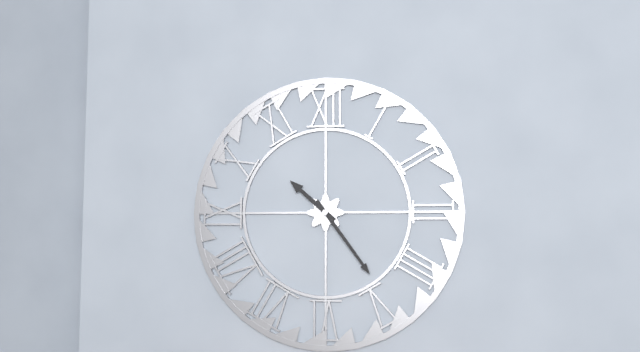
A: 10 h 24 min
